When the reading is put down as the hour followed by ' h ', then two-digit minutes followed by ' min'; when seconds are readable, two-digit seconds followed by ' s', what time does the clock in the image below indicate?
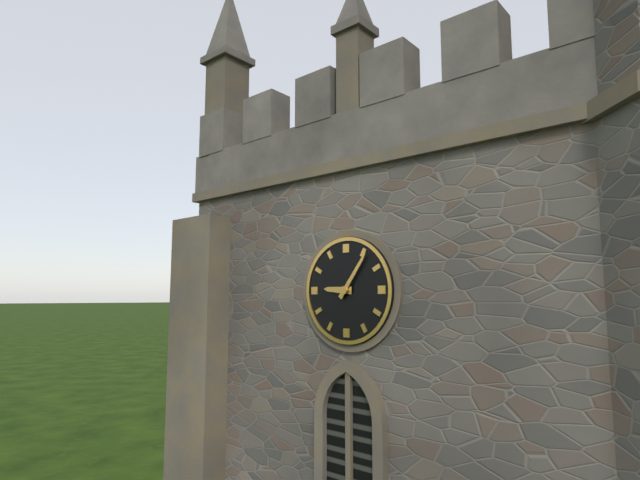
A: 9 h 06 min
